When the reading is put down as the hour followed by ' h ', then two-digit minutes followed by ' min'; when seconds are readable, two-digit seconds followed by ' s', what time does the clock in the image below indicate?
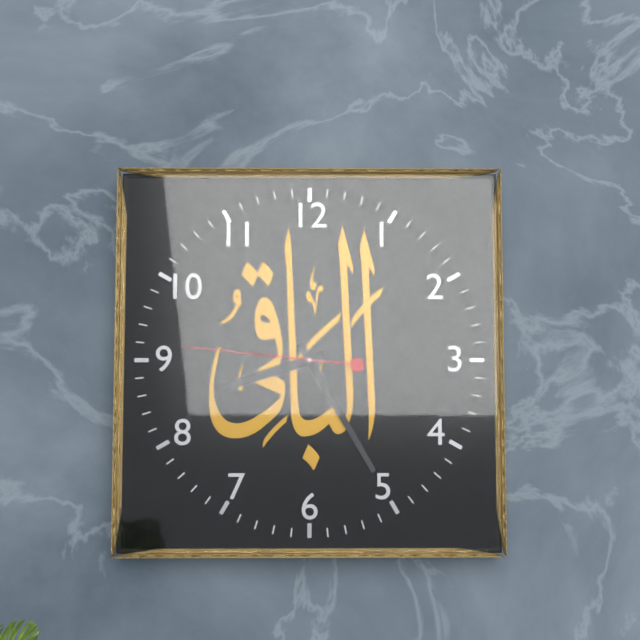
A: 8 h 25 min 46 s
